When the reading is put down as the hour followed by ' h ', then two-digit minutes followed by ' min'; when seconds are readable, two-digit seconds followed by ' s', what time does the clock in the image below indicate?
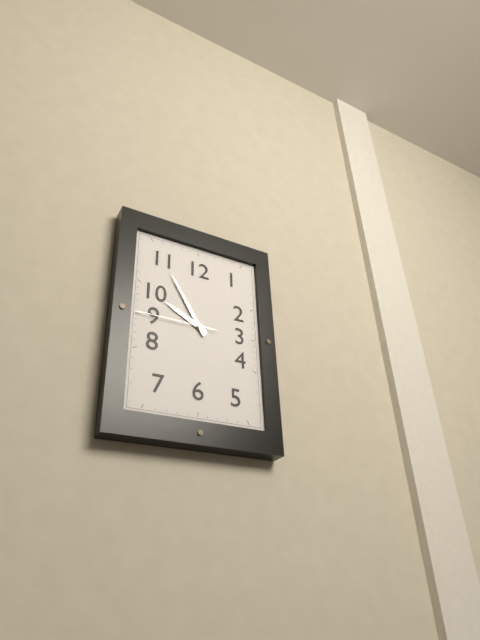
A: 9 h 55 min 45 s
